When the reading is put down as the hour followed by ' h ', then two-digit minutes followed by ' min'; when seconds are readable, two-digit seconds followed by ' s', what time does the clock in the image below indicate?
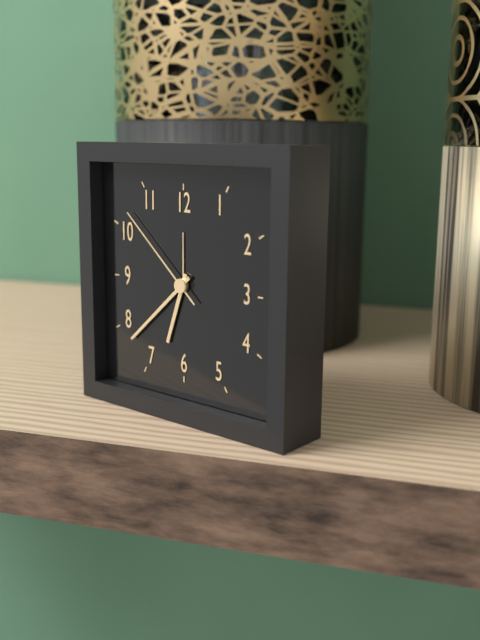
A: 6 h 38 min 52 s
